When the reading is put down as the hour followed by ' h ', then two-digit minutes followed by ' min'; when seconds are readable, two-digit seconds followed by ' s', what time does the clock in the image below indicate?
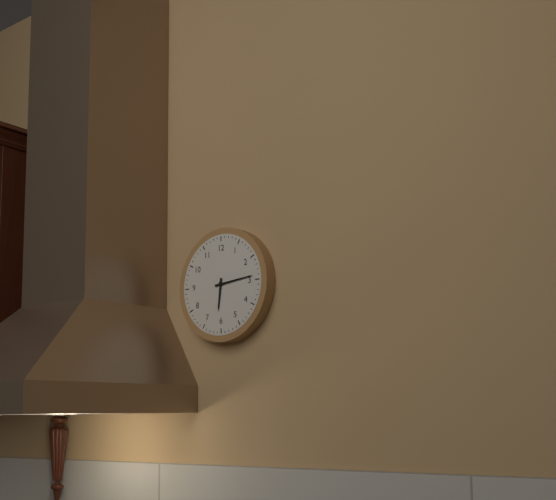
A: 6 h 14 min
